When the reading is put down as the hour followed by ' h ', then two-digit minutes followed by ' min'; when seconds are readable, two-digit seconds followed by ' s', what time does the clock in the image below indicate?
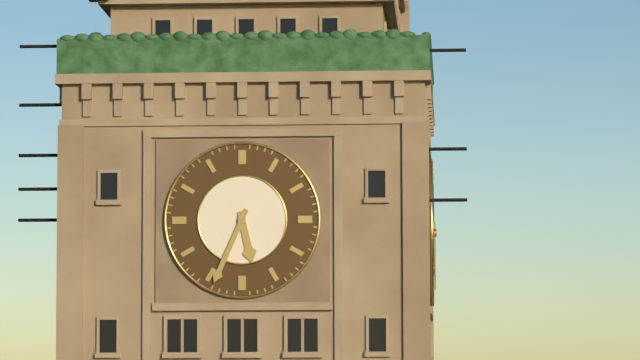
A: 5 h 34 min
